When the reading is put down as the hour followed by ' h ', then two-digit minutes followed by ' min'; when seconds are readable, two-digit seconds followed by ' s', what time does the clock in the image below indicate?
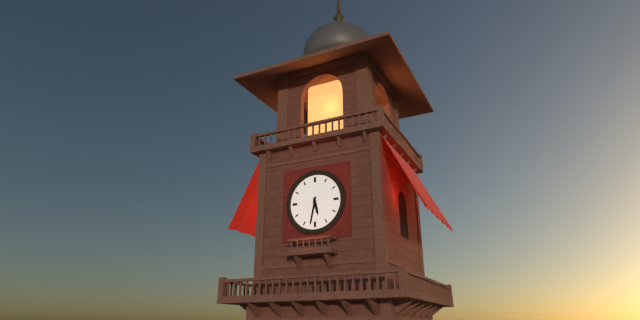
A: 5 h 32 min
